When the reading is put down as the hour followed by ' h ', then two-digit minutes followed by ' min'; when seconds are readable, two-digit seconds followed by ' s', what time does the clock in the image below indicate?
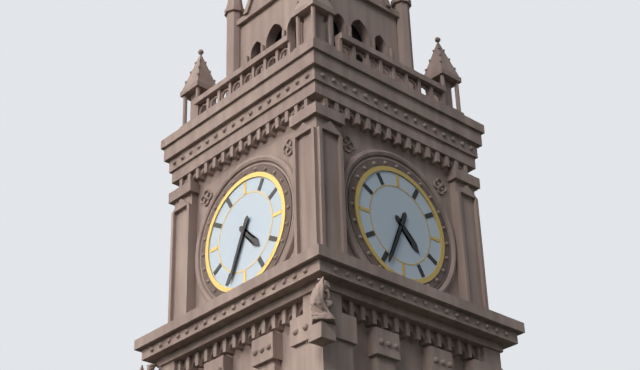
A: 4 h 34 min
